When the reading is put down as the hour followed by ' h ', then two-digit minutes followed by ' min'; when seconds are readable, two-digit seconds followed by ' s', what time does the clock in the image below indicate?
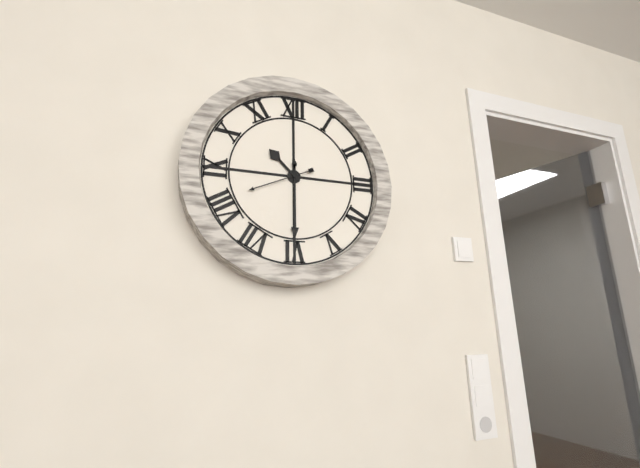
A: 10 h 30 min 41 s
